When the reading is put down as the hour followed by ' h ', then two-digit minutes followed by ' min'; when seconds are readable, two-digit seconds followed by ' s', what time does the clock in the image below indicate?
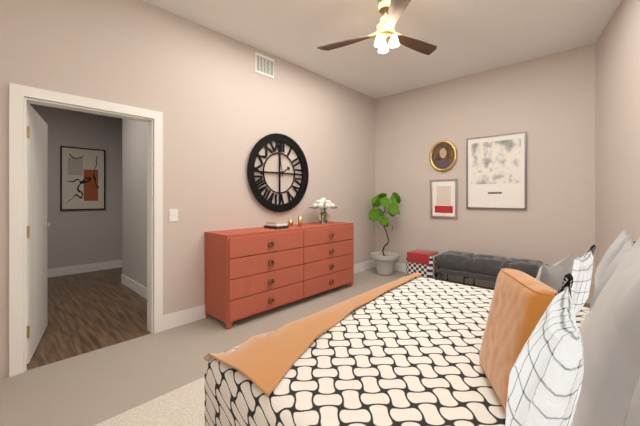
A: 1 h 58 min
